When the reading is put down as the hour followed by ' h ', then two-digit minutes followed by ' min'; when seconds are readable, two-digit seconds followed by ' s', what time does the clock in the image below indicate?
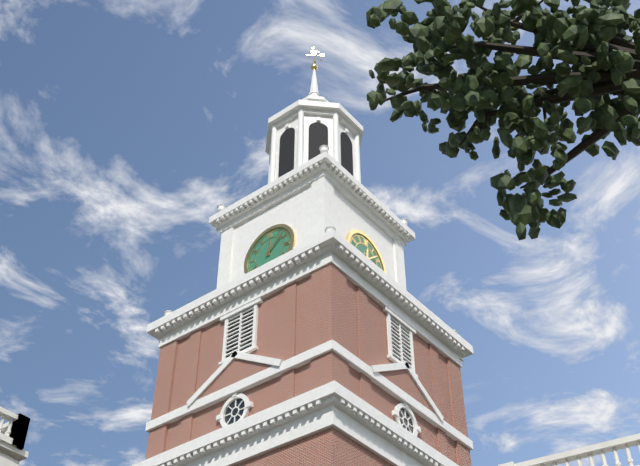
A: 12 h 08 min
